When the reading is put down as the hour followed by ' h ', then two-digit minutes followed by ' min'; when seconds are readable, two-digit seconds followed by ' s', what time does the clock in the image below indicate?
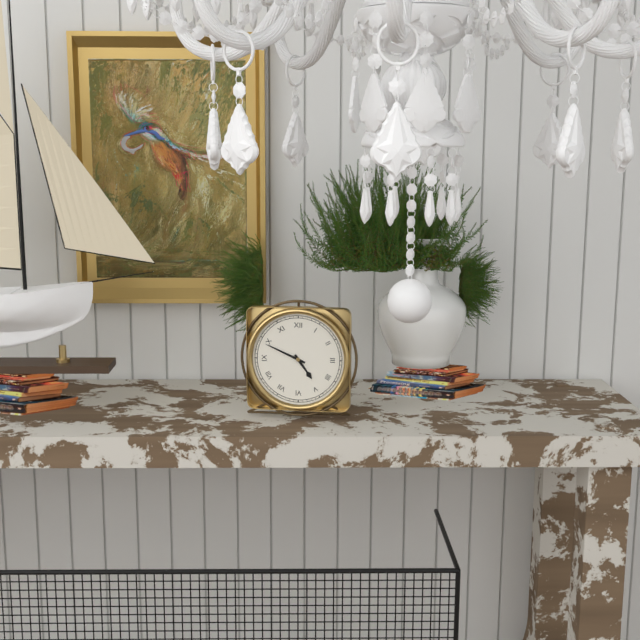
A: 4 h 49 min
